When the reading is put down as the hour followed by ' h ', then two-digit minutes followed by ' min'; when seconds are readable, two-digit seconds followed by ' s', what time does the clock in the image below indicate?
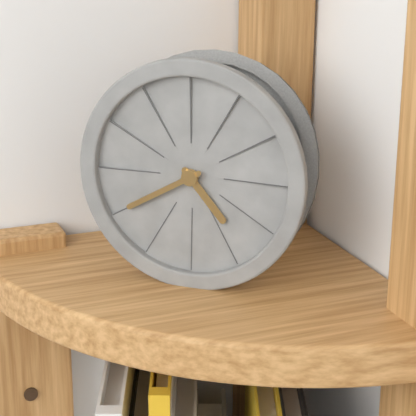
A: 4 h 40 min
